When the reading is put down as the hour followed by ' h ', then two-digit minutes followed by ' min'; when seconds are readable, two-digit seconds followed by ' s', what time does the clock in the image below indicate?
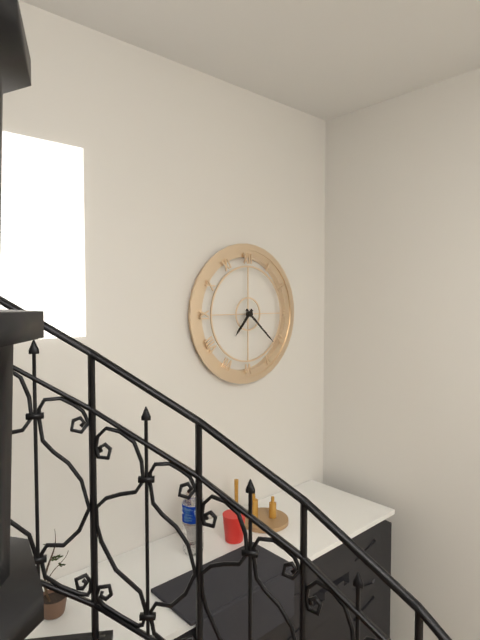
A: 7 h 22 min
